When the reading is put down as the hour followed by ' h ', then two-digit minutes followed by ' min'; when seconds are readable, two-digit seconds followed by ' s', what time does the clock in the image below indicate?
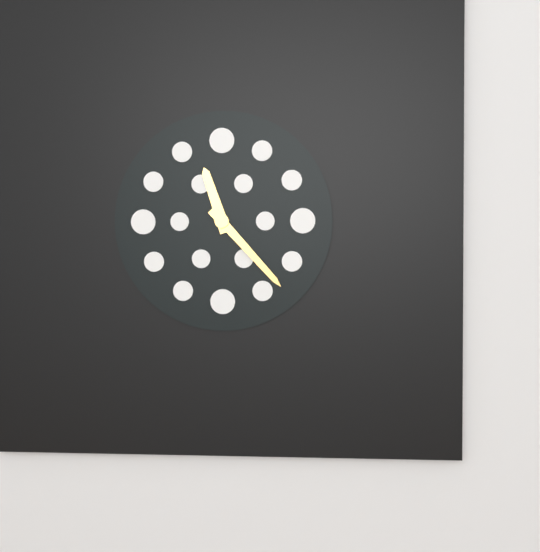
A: 11 h 23 min
